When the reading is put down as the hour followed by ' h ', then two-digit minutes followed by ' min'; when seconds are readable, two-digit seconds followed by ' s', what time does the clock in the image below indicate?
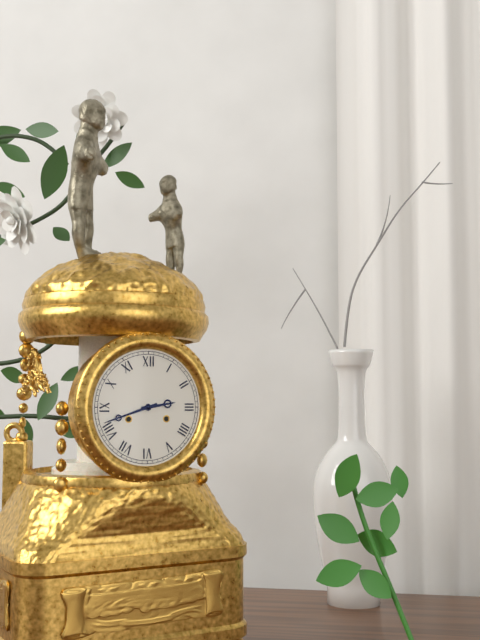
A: 2 h 42 min
